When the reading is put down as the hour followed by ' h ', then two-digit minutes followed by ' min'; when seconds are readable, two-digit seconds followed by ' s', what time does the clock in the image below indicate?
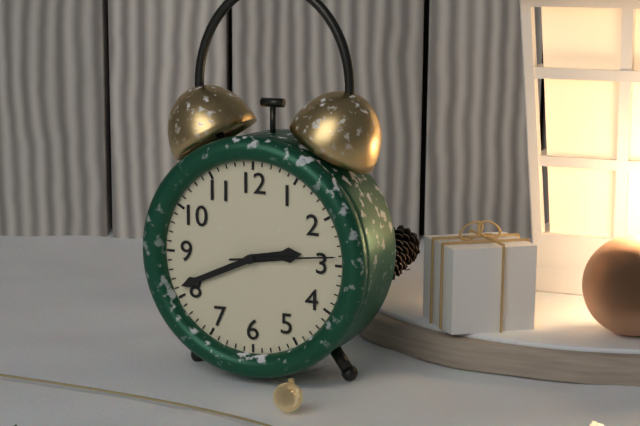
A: 2 h 41 min 14 s
